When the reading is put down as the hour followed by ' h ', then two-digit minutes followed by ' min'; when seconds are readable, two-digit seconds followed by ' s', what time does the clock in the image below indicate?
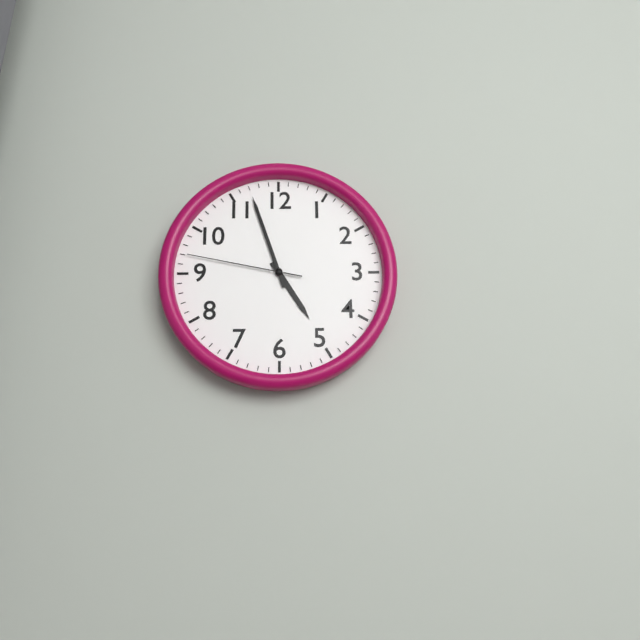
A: 4 h 57 min 47 s
